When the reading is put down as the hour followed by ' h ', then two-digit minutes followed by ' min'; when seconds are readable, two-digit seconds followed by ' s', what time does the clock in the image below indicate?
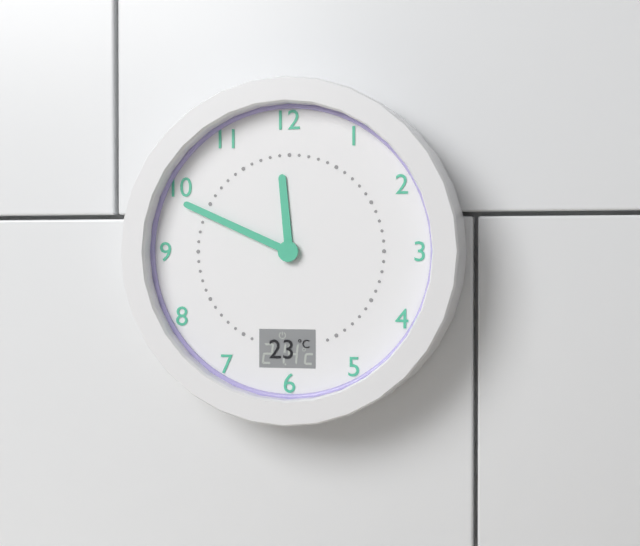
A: 11 h 49 min
